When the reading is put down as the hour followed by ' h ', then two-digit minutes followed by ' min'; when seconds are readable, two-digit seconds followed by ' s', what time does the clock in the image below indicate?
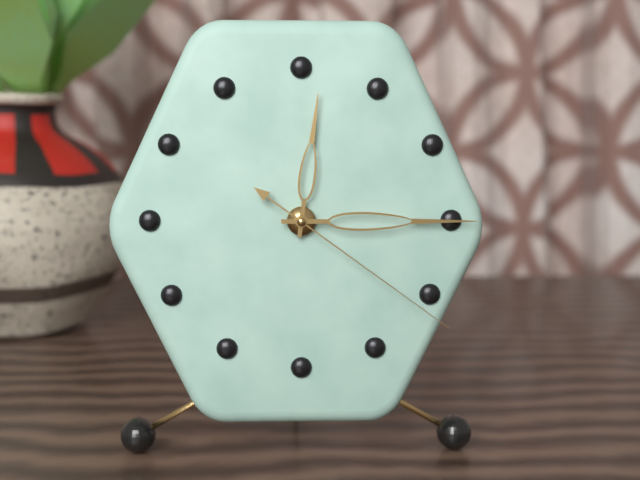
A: 12 h 15 min 21 s
